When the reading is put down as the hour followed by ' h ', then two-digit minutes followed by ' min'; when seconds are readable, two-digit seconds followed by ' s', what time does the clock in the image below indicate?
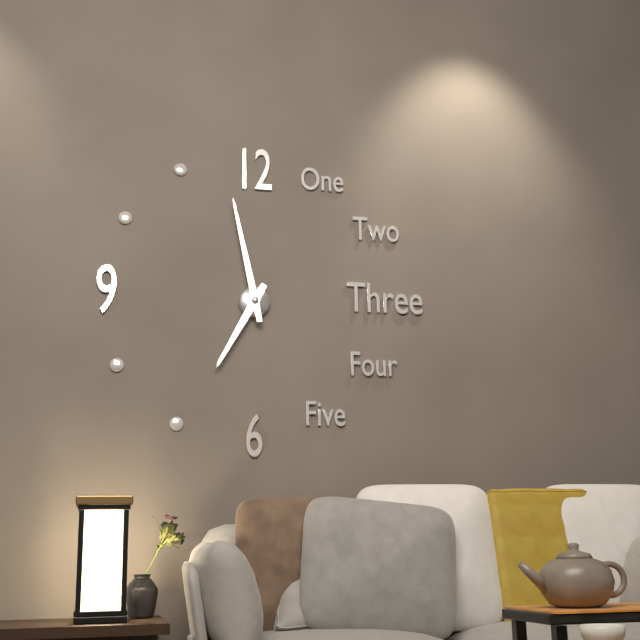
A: 6 h 58 min
